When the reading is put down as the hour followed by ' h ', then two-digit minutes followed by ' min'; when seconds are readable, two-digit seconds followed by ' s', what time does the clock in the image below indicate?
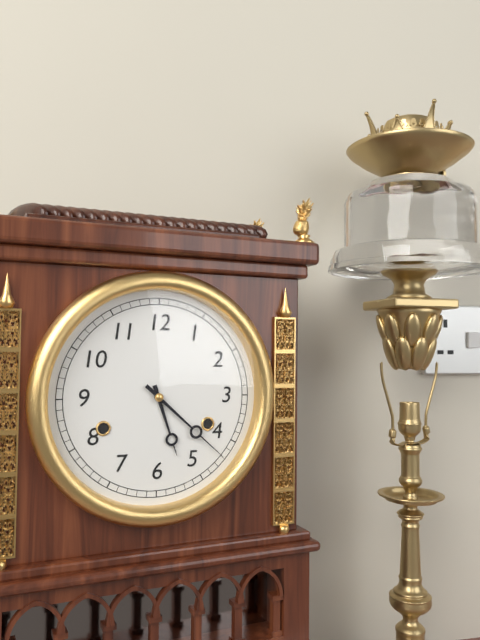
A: 5 h 22 min
